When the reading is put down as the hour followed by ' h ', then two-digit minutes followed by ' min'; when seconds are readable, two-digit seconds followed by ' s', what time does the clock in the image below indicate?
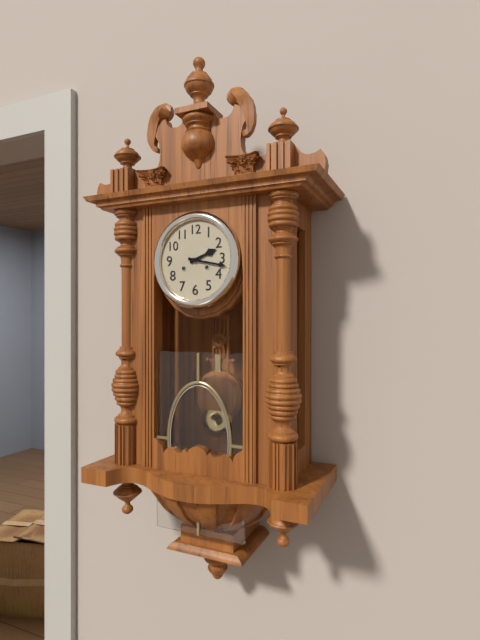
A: 2 h 17 min
